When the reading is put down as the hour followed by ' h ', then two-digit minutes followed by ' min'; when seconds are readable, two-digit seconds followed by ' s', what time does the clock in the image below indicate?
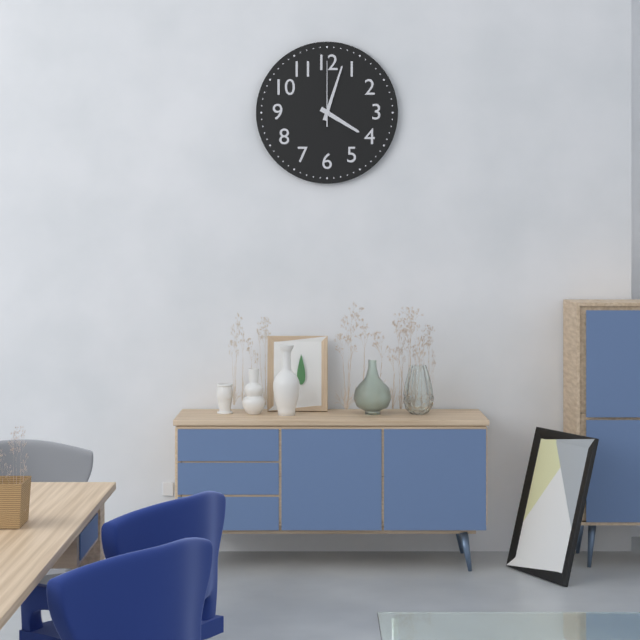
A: 4 h 03 min 00 s
